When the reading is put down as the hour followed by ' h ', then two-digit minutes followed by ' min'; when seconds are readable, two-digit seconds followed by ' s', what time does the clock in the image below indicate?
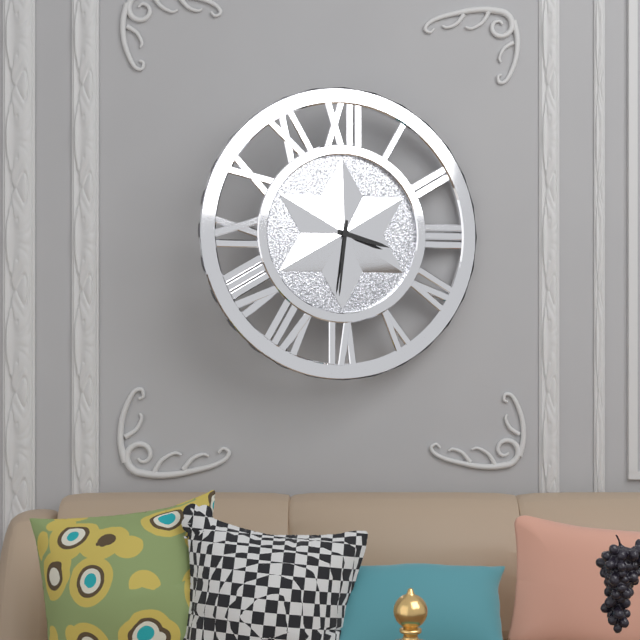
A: 3 h 31 min
